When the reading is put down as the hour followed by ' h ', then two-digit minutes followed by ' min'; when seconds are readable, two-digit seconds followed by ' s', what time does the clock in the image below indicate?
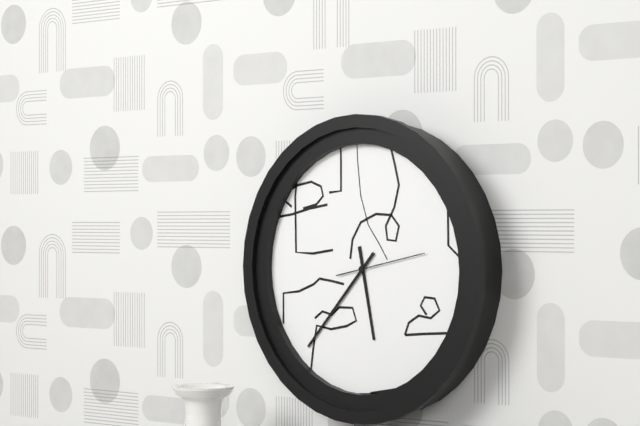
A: 5 h 37 min 13 s
